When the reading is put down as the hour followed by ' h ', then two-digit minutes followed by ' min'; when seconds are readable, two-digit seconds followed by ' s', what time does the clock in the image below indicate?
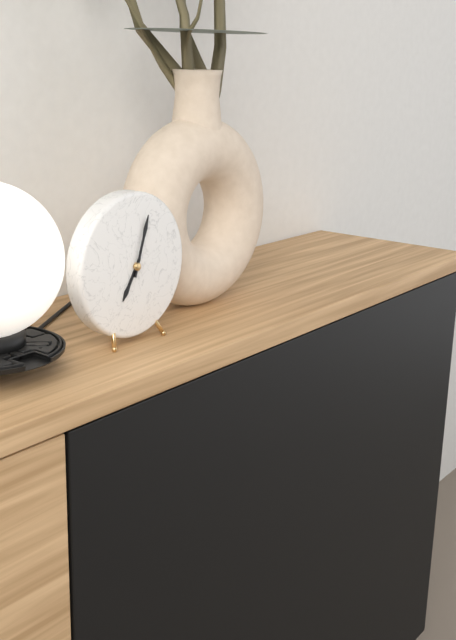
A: 7 h 03 min
